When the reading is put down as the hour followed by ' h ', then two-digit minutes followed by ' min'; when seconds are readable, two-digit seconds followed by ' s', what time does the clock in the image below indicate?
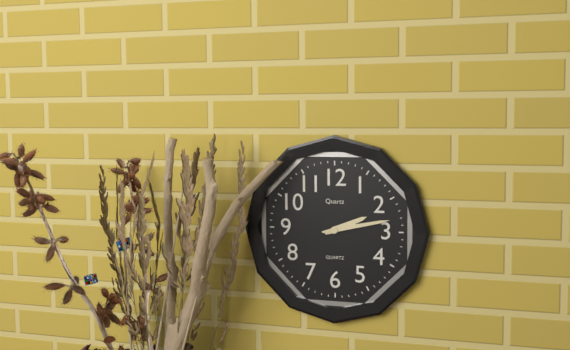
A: 2 h 13 min
